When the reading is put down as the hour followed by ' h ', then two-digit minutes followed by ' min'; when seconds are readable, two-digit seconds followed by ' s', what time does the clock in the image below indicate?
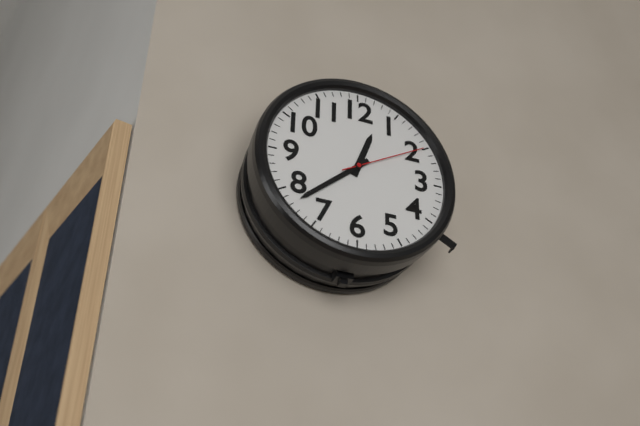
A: 12 h 38 min 10 s
